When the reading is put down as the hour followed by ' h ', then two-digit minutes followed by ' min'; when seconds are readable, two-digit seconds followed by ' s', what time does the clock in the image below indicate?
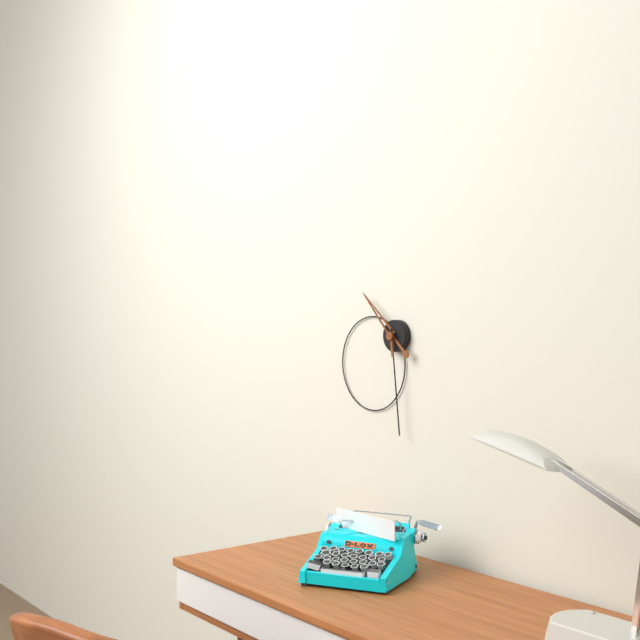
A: 10 h 29 min
